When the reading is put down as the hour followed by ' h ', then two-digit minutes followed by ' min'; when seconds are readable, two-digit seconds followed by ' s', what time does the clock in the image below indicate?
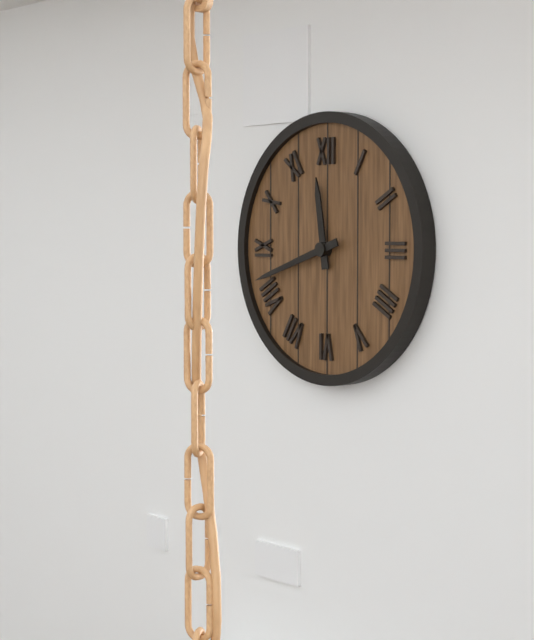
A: 11 h 42 min
